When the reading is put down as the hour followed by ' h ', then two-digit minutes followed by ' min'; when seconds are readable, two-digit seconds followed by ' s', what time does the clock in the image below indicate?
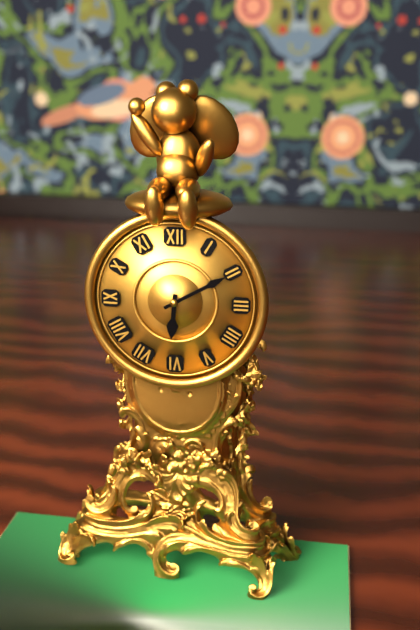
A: 6 h 10 min
